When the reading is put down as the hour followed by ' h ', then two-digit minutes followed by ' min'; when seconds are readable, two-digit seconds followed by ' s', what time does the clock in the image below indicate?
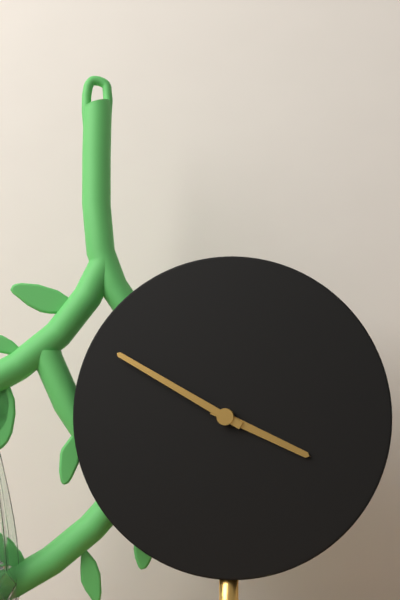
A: 3 h 50 min
